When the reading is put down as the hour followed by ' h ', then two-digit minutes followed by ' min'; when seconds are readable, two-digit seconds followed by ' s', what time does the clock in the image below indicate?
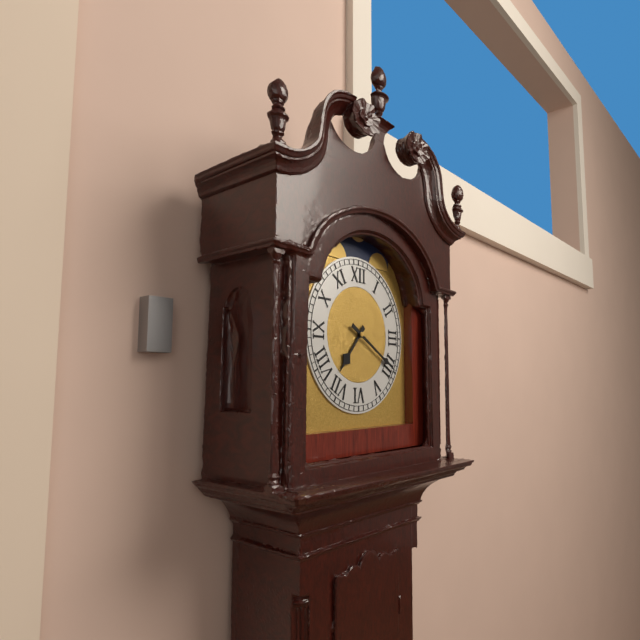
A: 7 h 20 min
